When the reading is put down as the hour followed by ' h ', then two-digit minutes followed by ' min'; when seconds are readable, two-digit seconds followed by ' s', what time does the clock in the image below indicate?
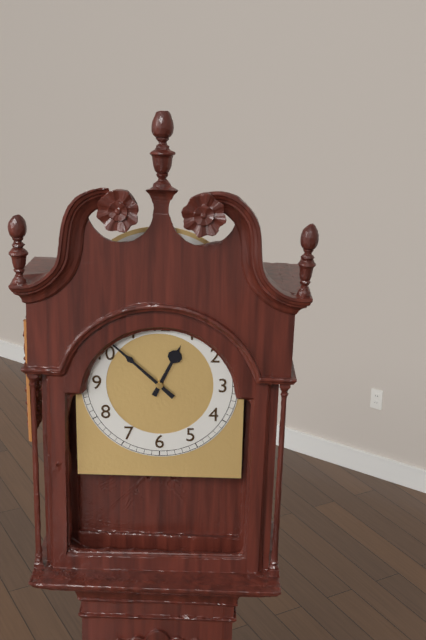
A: 12 h 52 min
